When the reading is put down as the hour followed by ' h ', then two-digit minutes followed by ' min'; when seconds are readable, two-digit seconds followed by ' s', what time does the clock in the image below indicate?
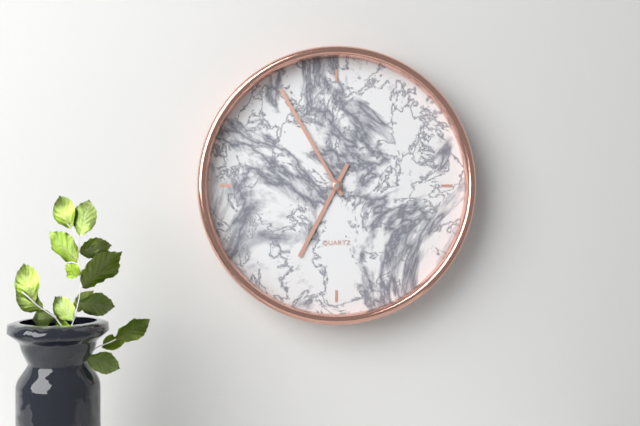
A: 6 h 55 min
